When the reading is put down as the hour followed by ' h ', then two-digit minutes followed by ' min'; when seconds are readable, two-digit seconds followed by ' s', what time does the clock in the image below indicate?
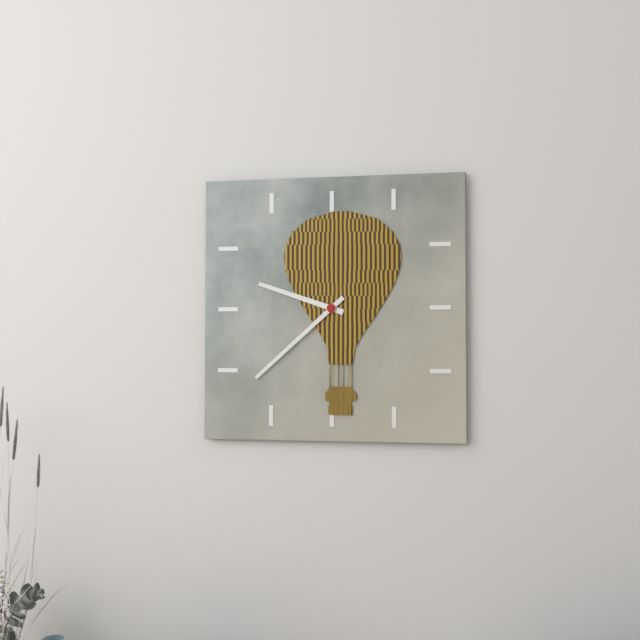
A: 9 h 38 min
